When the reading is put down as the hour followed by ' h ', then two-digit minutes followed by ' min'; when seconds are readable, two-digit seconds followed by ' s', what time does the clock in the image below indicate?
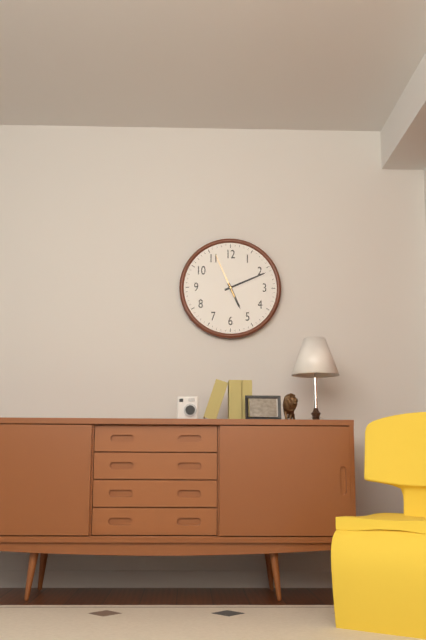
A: 5 h 11 min
